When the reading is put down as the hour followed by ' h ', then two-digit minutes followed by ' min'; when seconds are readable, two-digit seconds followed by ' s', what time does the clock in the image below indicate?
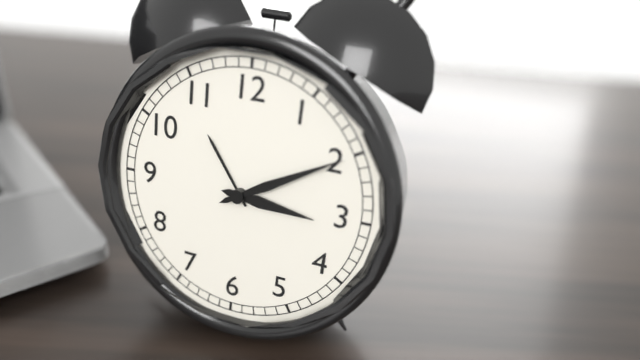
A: 3 h 10 min
